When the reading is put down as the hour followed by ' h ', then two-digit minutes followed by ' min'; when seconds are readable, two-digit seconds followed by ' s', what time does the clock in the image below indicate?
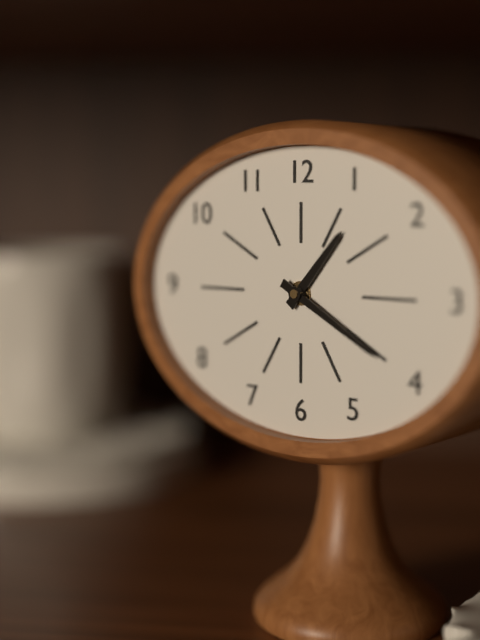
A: 1 h 20 min
